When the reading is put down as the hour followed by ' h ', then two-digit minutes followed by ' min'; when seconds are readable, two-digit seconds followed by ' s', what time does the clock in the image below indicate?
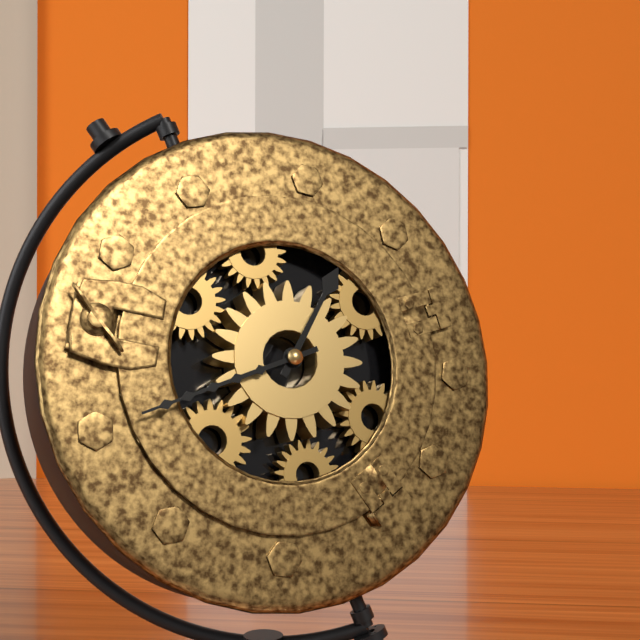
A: 12 h 40 min
